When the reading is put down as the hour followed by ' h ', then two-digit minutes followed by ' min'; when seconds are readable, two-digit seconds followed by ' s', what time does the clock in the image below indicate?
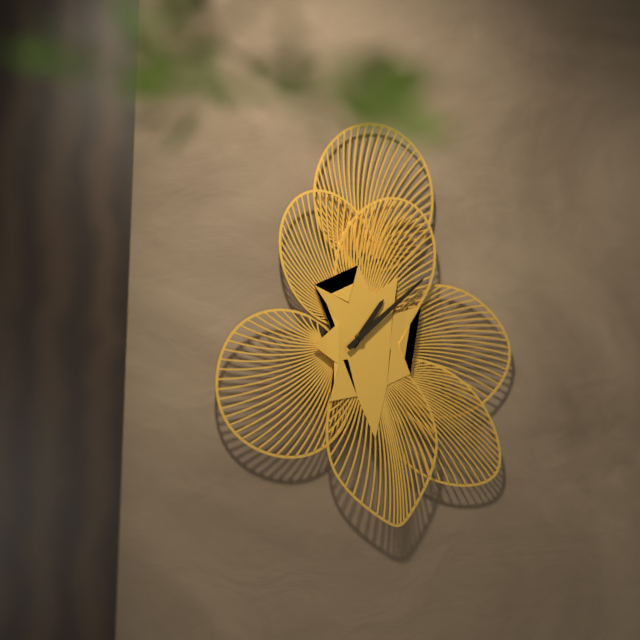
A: 1 h 08 min
